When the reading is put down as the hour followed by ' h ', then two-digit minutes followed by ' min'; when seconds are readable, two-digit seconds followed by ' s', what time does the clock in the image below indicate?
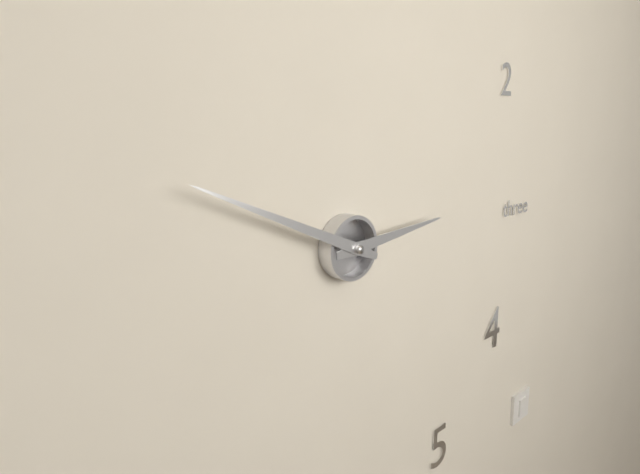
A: 2 h 49 min
